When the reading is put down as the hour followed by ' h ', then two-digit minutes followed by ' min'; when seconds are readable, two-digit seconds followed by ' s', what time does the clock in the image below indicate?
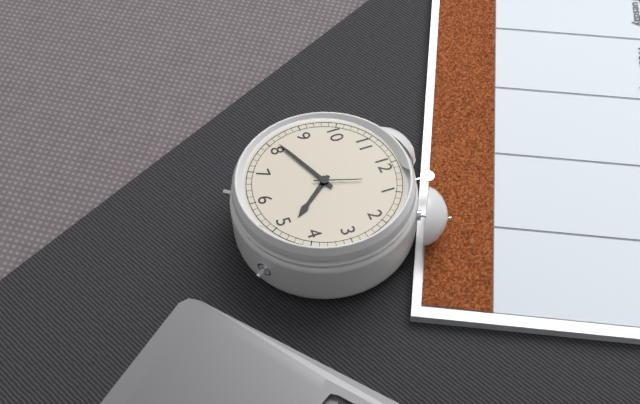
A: 4 h 41 min
